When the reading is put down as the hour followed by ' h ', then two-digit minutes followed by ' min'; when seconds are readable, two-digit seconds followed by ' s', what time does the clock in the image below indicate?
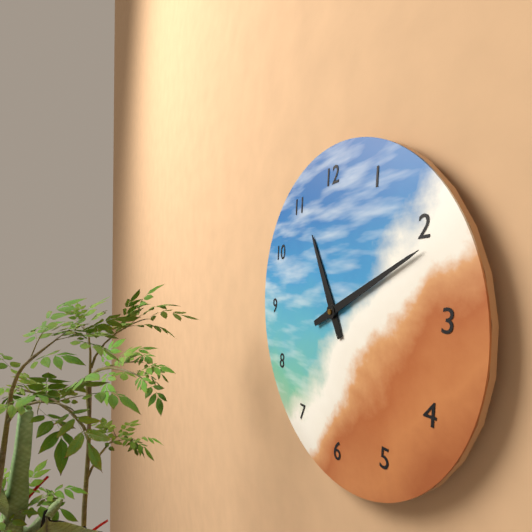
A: 11 h 11 min
